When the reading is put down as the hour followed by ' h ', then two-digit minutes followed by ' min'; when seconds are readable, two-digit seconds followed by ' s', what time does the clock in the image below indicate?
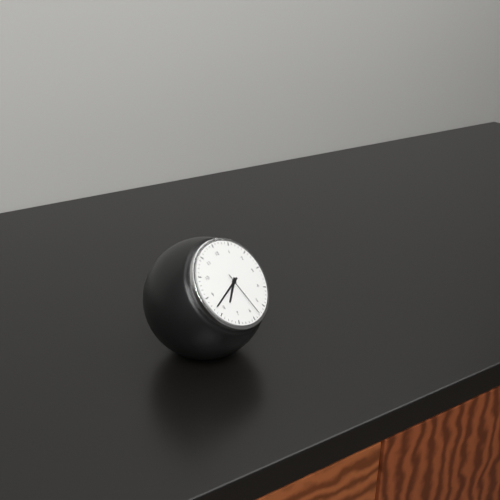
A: 7 h 42 min 28 s
